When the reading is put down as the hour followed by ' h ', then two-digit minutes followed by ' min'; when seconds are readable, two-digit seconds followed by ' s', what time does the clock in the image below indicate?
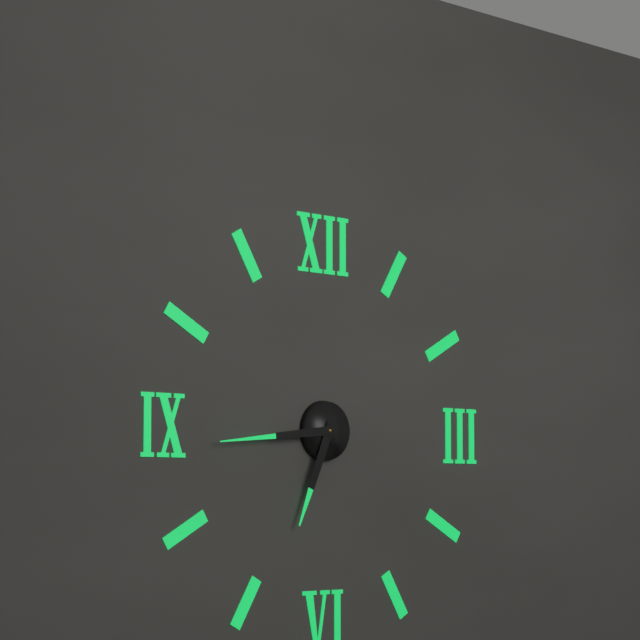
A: 6 h 44 min
